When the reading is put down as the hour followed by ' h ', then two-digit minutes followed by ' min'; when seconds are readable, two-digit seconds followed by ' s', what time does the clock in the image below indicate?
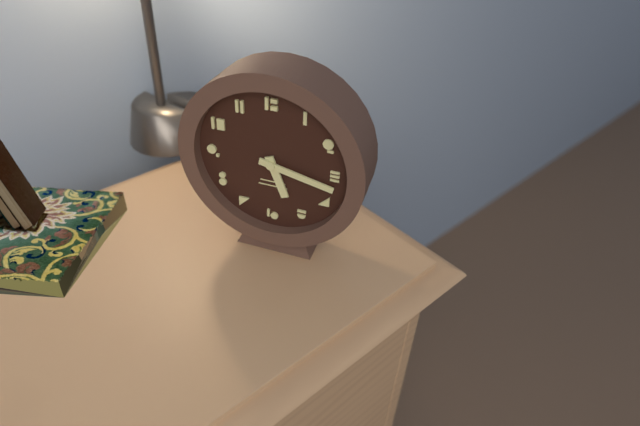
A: 5 h 17 min
